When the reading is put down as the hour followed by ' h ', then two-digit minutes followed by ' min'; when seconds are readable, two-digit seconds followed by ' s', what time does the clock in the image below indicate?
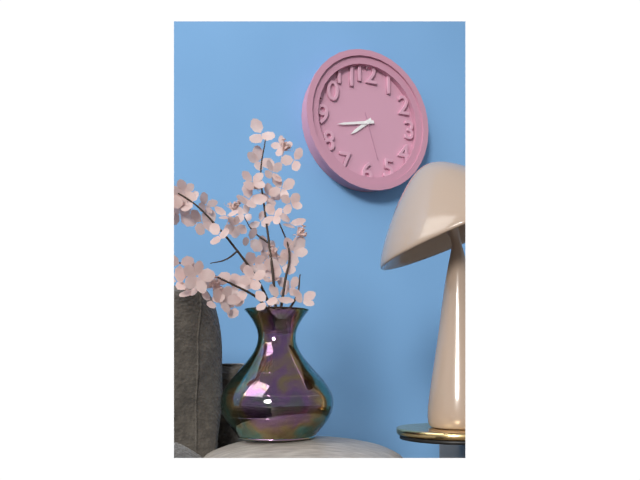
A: 7 h 43 min
